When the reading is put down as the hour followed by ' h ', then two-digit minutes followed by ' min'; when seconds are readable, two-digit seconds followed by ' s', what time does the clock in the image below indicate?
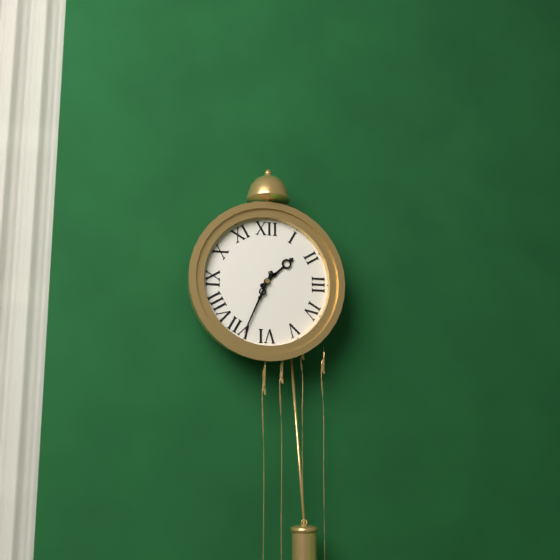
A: 1 h 34 min
